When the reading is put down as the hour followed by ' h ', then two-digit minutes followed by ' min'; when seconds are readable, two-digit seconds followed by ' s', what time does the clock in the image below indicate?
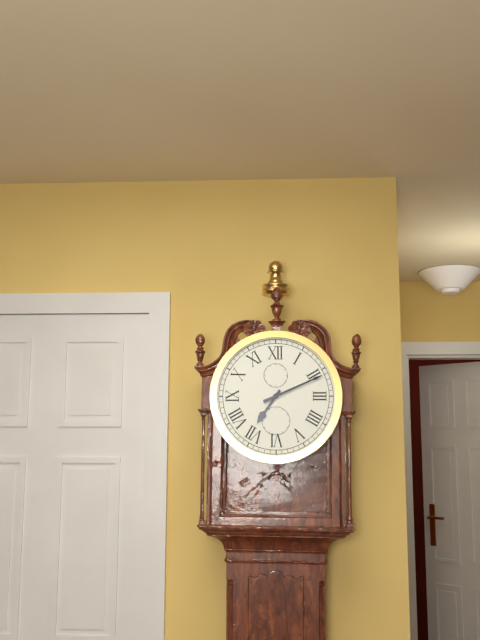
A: 7 h 11 min
